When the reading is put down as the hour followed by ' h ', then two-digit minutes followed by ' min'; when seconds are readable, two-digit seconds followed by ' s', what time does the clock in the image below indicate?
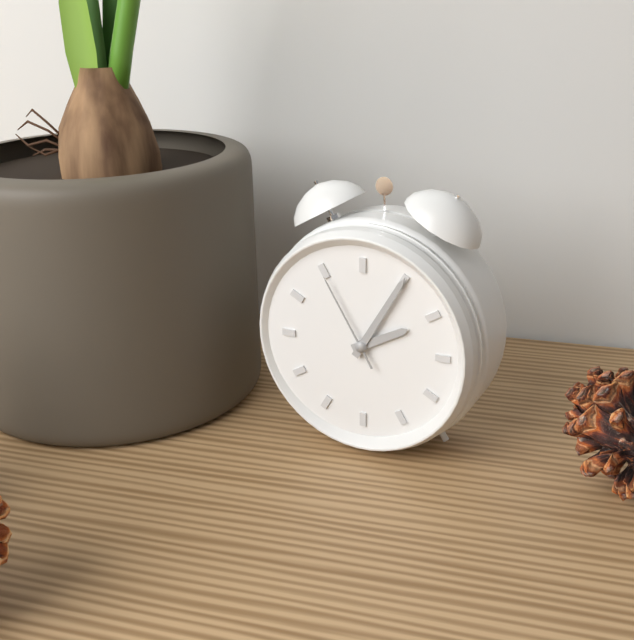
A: 2 h 05 min 55 s
